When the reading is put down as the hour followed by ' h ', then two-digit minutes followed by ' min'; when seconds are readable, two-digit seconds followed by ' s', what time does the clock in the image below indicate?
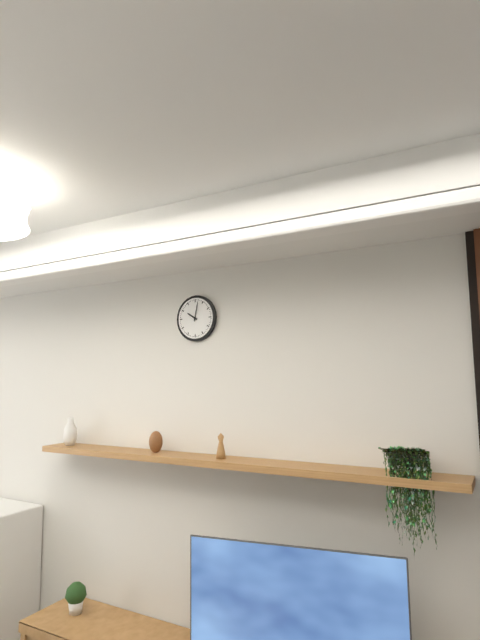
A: 10 h 02 min
